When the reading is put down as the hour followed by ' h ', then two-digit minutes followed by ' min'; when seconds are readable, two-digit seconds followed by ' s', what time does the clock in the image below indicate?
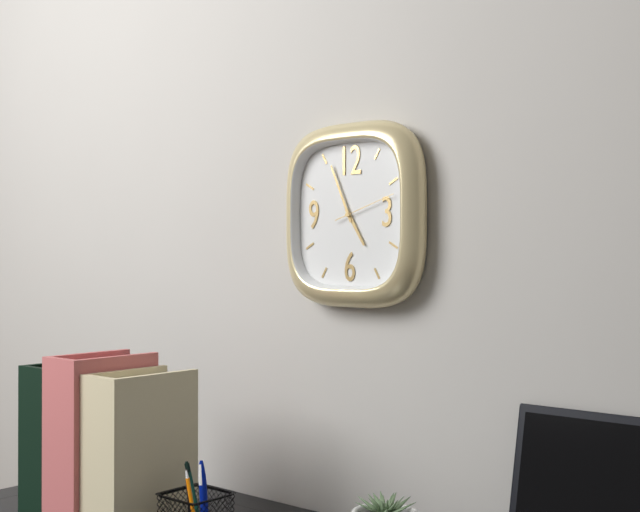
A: 4 h 56 min 12 s
